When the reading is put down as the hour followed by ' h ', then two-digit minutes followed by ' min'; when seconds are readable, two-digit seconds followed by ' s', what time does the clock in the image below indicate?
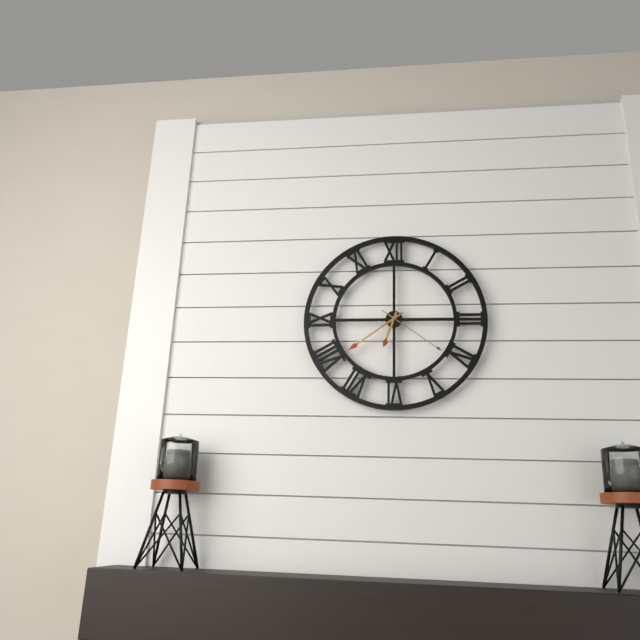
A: 6 h 39 min 21 s
